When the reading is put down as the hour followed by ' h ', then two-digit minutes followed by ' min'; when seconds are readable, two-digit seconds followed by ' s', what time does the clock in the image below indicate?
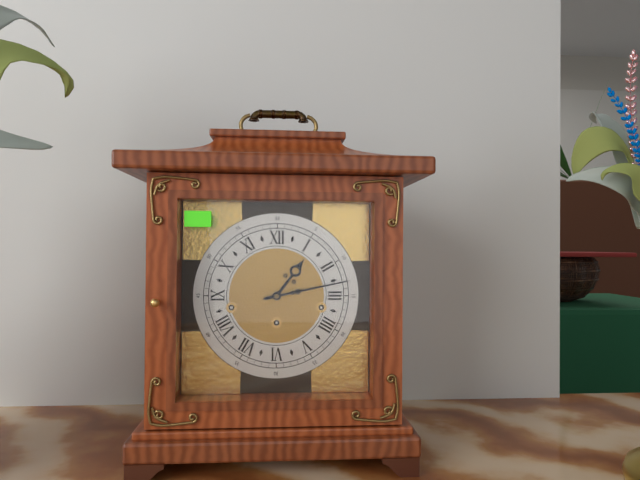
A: 1 h 13 min
